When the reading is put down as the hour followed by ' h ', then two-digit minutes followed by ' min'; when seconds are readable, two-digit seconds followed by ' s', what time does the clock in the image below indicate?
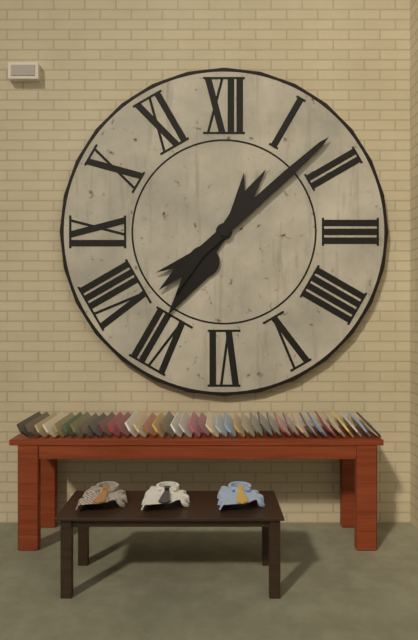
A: 7 h 08 min
